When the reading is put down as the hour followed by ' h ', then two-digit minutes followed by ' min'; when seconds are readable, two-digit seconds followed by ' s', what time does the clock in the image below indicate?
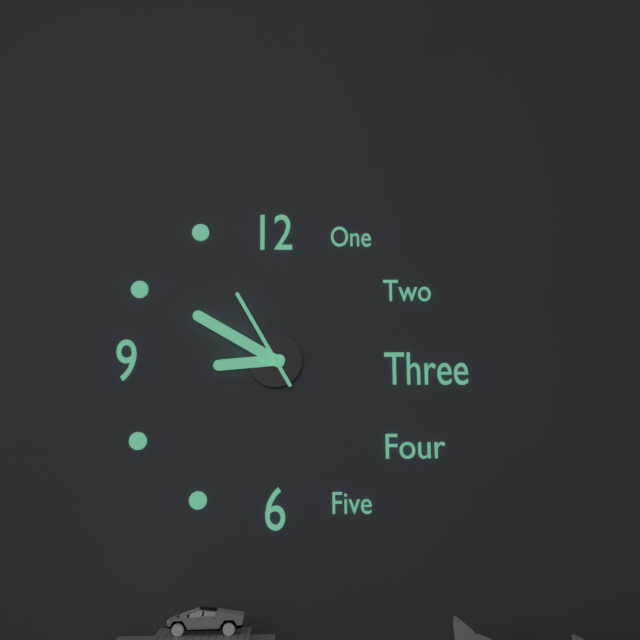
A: 8 h 50 min 55 s
